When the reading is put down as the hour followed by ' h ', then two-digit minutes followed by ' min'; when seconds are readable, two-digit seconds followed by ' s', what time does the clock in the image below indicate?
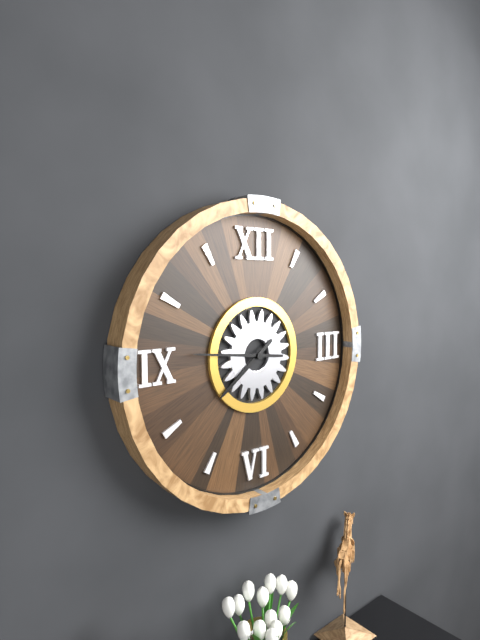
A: 7 h 46 min
